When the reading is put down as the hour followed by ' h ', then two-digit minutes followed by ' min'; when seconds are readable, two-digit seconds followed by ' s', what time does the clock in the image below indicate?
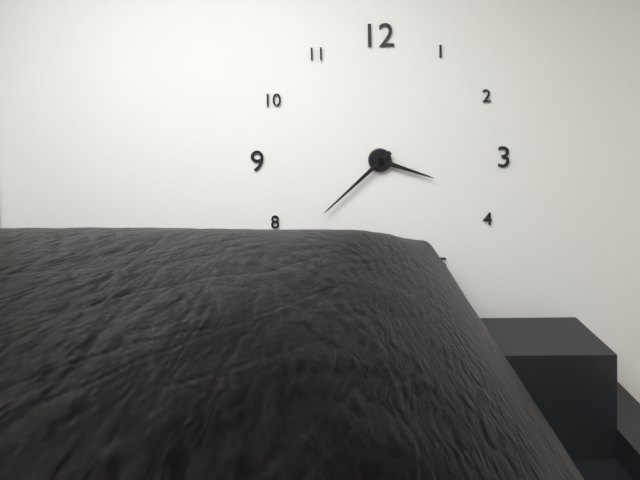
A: 3 h 38 min
